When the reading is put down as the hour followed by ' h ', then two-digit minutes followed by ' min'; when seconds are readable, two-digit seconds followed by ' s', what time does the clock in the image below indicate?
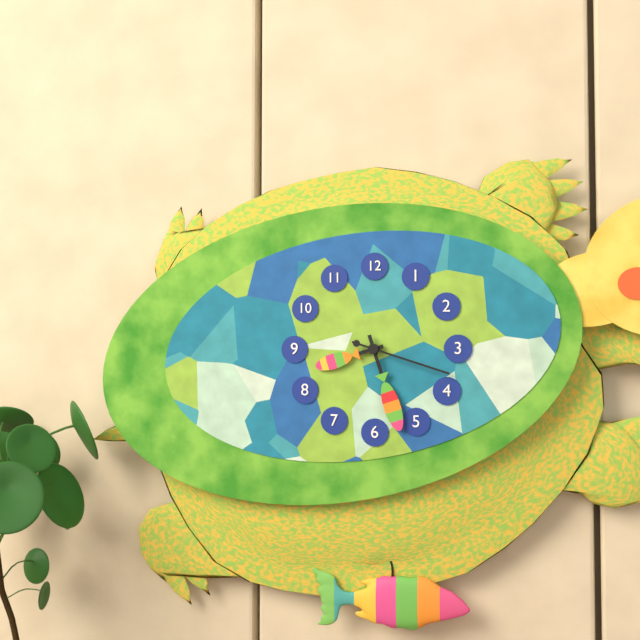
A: 8 h 27 min 18 s
